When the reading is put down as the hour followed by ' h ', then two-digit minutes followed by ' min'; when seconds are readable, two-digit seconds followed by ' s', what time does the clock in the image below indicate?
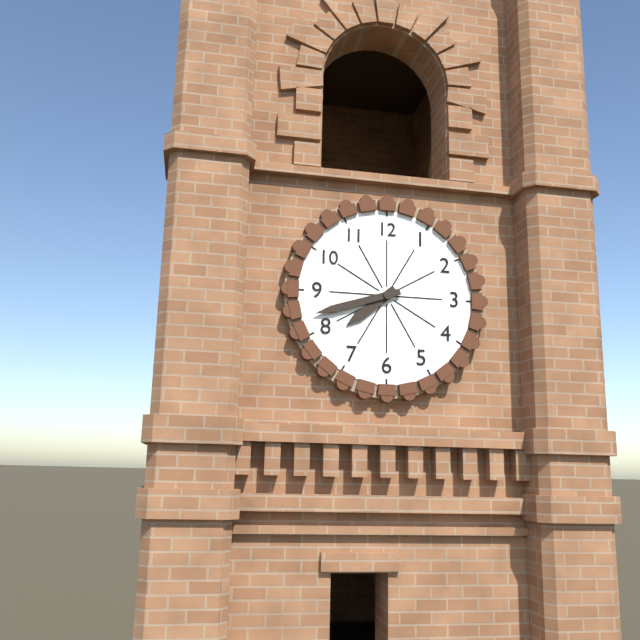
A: 7 h 42 min
